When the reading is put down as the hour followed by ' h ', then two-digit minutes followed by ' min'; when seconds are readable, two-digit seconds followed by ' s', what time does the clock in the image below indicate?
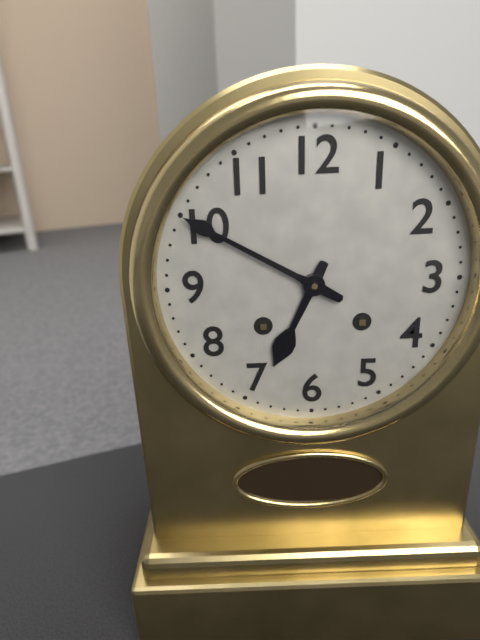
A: 6 h 50 min
